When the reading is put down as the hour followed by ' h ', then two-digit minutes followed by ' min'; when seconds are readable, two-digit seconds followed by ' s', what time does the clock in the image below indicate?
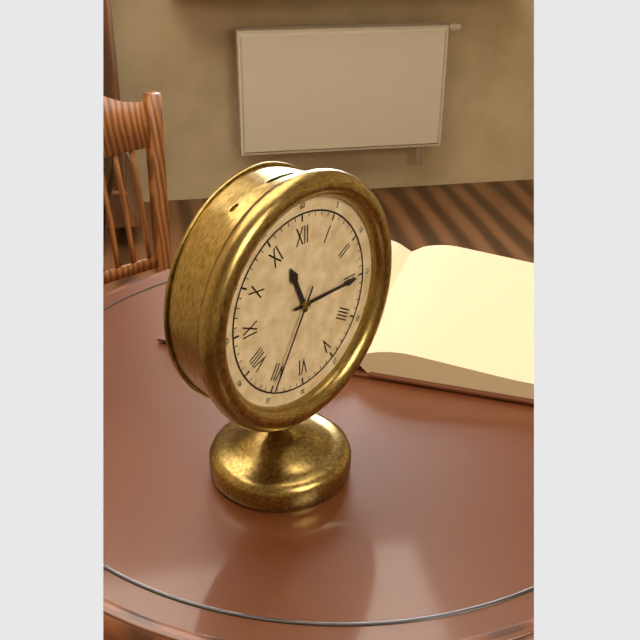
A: 11 h 15 min 35 s
